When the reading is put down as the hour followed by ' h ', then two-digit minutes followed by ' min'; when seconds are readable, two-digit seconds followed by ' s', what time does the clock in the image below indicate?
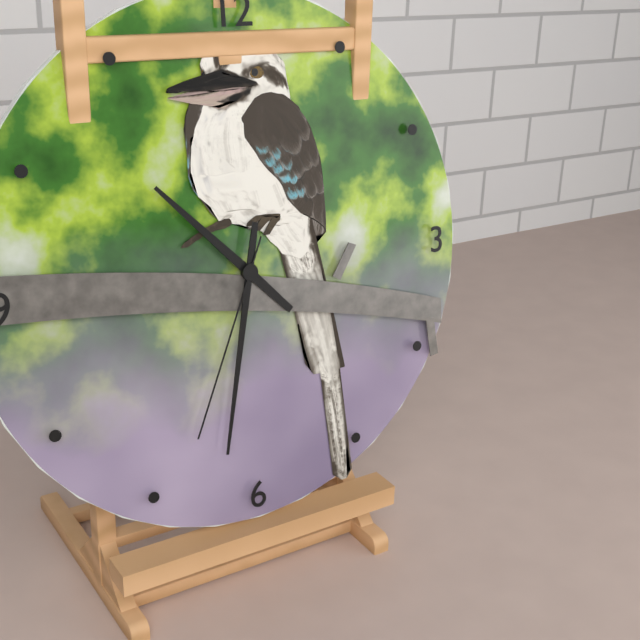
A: 10 h 32 min 34 s
